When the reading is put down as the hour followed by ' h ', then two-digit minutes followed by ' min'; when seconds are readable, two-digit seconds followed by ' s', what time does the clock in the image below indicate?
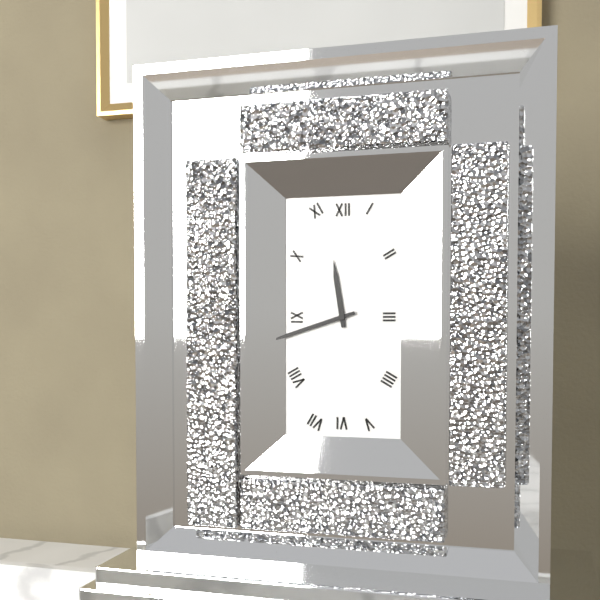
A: 11 h 42 min
